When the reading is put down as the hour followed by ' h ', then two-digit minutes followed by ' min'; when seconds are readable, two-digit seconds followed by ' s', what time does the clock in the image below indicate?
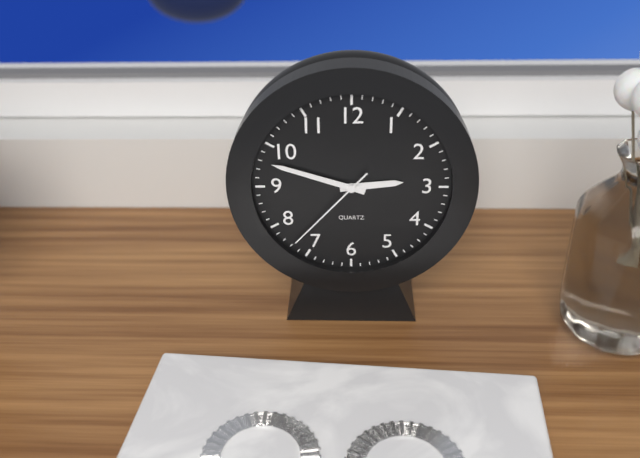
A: 2 h 48 min 37 s
